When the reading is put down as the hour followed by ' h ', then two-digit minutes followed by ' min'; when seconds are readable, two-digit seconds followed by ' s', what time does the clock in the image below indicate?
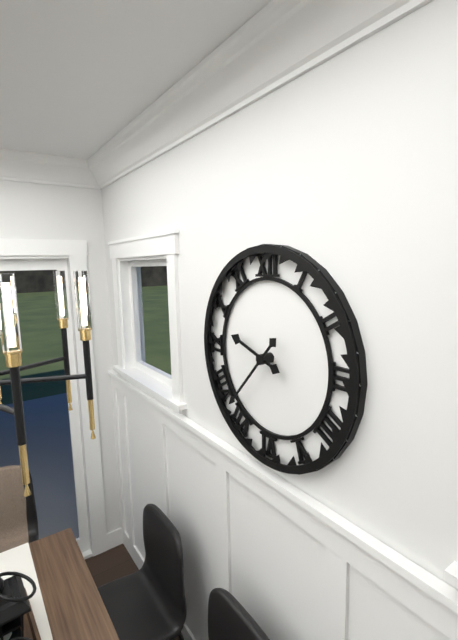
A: 9 h 37 min
